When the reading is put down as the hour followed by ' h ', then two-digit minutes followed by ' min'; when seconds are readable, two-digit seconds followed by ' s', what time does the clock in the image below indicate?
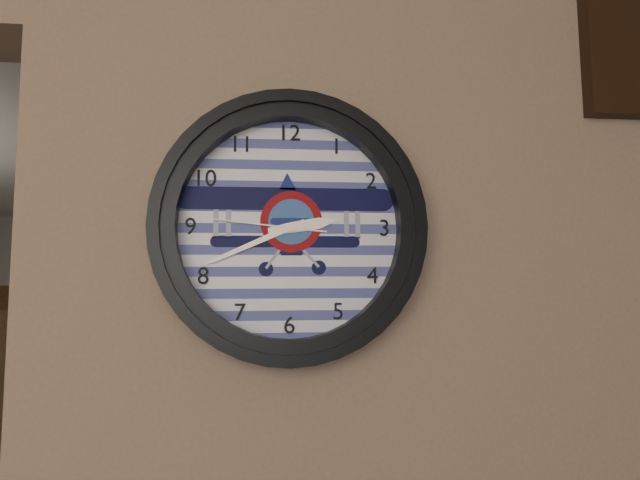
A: 2 h 41 min 46 s
